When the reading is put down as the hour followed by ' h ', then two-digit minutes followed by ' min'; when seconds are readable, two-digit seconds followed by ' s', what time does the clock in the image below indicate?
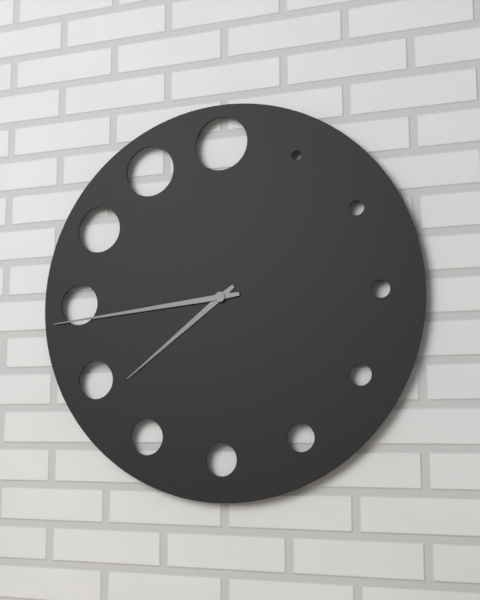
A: 7 h 44 min
